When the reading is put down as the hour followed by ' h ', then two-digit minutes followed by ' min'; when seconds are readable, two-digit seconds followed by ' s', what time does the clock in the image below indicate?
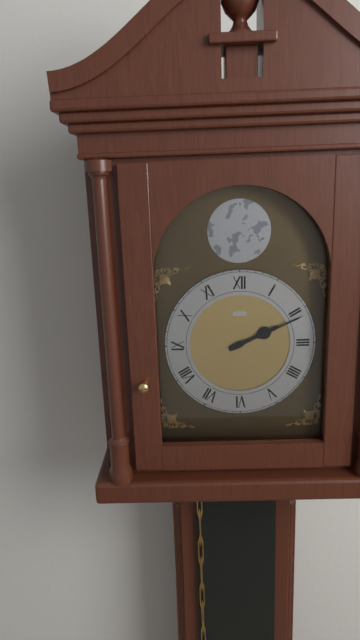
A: 2 h 11 min
